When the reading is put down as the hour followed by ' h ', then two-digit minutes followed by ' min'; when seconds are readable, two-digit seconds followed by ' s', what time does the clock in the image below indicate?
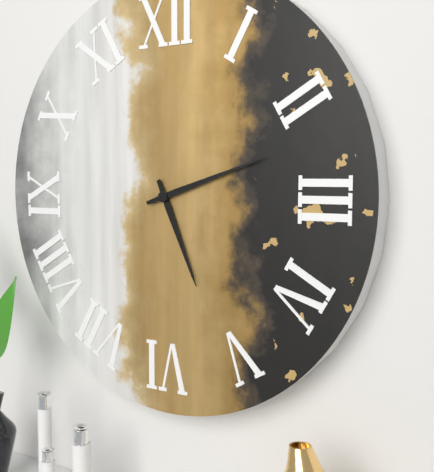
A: 5 h 12 min
